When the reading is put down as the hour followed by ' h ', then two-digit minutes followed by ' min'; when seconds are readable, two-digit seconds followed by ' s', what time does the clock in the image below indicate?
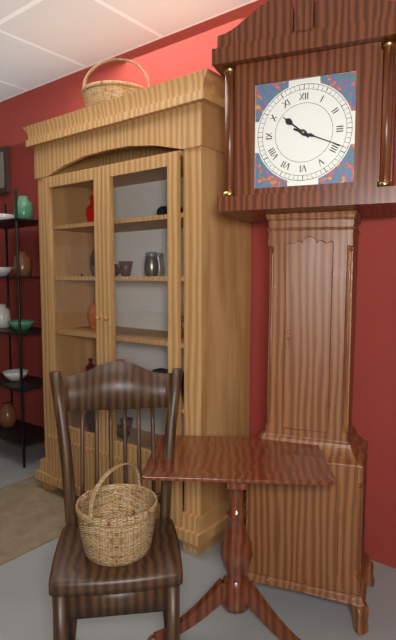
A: 10 h 19 min
